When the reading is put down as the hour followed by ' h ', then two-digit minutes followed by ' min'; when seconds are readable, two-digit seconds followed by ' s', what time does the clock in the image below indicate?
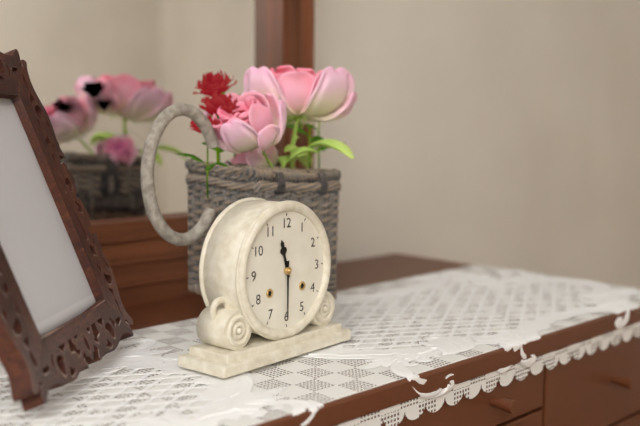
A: 11 h 30 min
